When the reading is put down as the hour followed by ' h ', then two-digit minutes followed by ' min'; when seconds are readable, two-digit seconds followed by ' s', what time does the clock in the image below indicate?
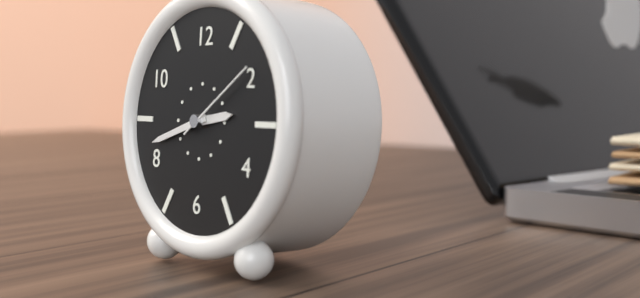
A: 2 h 42 min 09 s
